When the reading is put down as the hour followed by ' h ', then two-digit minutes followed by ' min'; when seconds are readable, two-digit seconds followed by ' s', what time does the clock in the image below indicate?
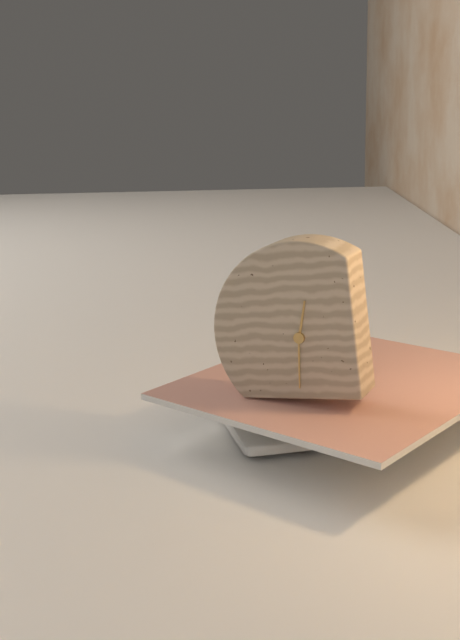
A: 12 h 31 min
